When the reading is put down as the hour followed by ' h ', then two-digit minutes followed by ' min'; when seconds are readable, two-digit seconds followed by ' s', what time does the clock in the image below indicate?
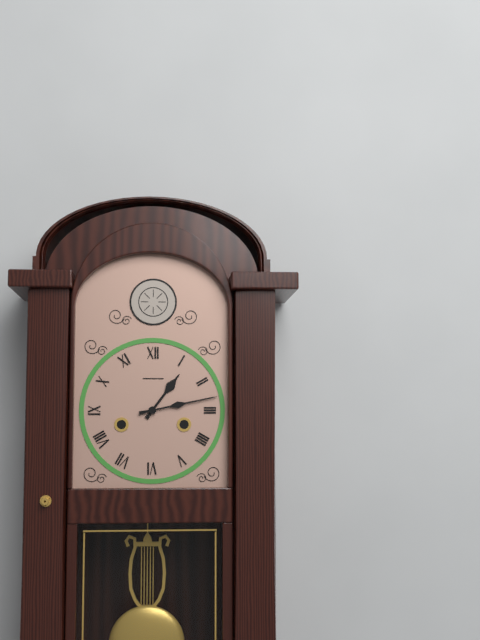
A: 1 h 13 min
